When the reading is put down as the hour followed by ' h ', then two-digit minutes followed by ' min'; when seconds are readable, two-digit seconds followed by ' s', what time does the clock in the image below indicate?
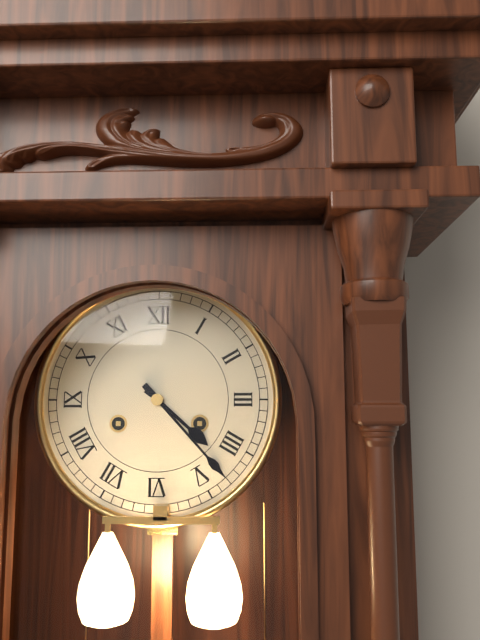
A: 4 h 23 min
